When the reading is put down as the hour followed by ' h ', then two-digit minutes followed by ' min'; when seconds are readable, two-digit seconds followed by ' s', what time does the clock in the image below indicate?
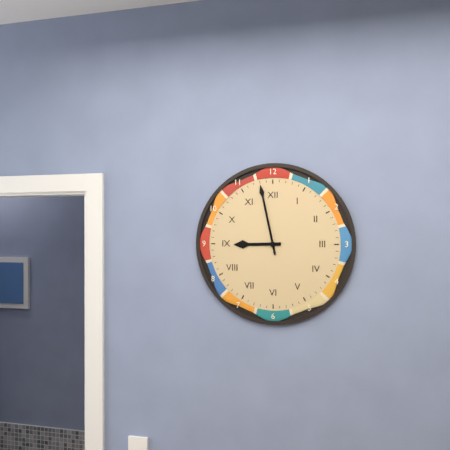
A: 8 h 58 min
